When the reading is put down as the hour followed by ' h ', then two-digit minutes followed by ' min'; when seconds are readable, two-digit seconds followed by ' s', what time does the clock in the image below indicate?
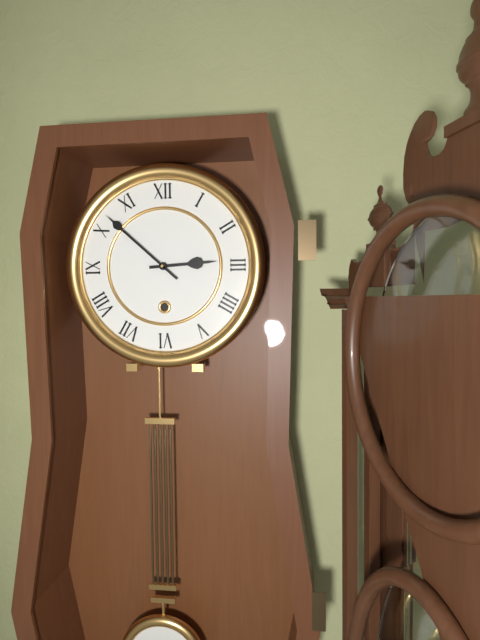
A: 2 h 52 min
